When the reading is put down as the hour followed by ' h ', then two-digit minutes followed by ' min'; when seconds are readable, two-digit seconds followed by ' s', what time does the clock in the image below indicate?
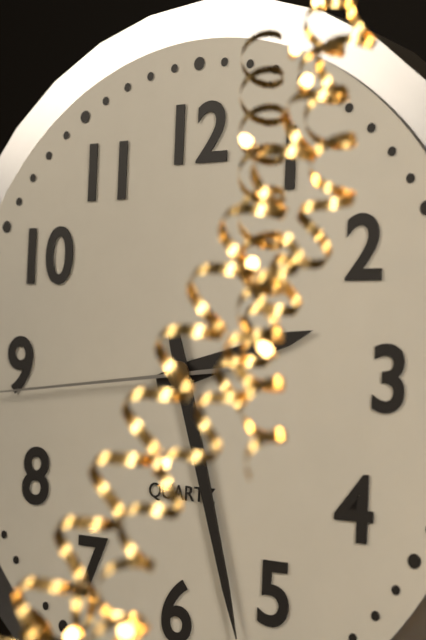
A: 2 h 27 min
